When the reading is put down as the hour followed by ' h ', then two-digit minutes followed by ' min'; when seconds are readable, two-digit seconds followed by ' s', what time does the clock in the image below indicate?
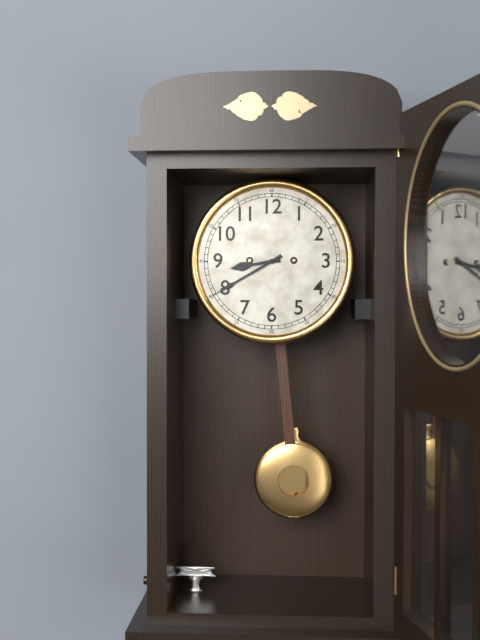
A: 8 h 40 min
